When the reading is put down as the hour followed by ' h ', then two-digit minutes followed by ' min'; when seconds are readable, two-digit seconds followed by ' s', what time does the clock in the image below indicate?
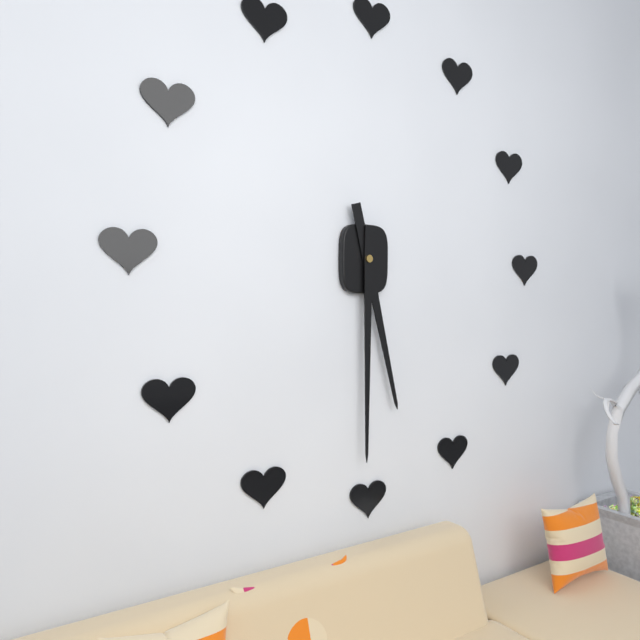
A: 5 h 30 min
